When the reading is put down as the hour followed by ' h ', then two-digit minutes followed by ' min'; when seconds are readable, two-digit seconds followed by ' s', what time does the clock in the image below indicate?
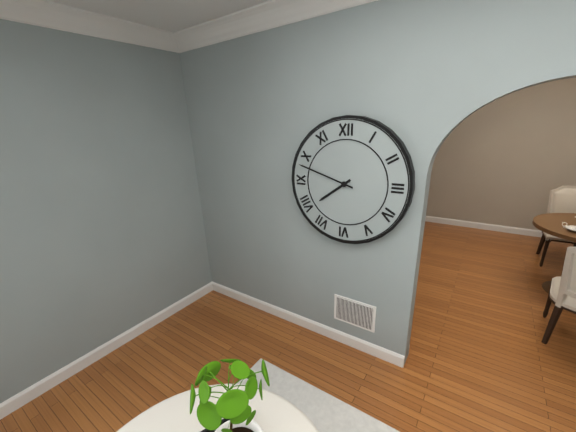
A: 7 h 48 min
